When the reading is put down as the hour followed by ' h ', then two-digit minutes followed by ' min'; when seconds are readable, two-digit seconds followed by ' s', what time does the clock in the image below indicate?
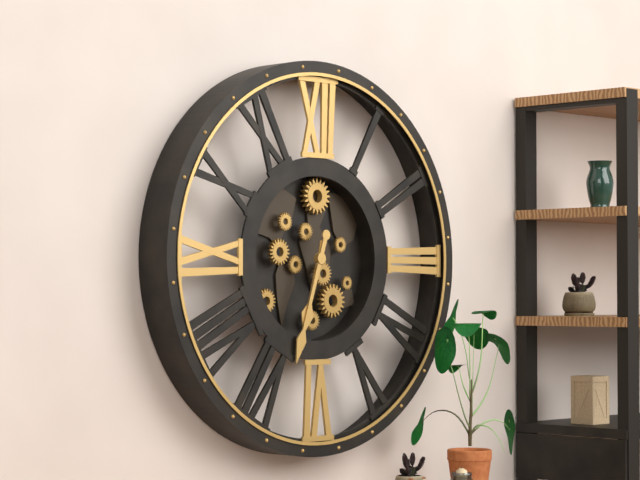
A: 6 h 33 min
